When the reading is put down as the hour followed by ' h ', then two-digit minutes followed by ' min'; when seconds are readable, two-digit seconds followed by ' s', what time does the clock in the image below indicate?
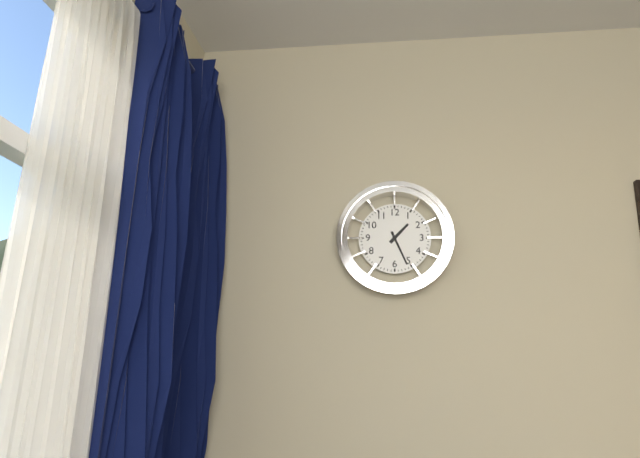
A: 1 h 26 min
